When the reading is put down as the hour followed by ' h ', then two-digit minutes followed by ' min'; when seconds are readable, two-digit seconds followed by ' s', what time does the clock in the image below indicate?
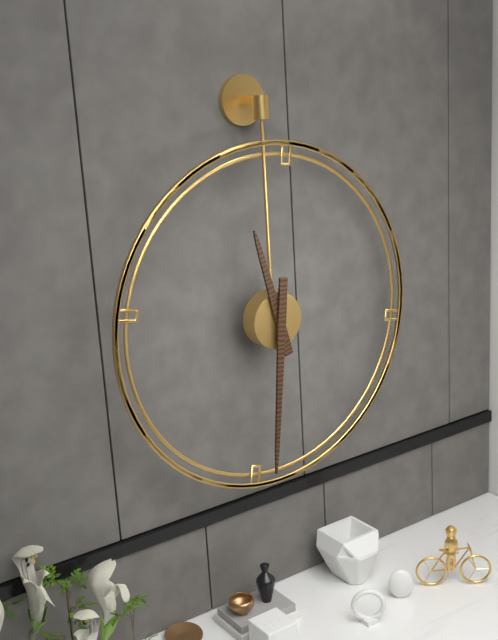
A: 11 h 31 min
